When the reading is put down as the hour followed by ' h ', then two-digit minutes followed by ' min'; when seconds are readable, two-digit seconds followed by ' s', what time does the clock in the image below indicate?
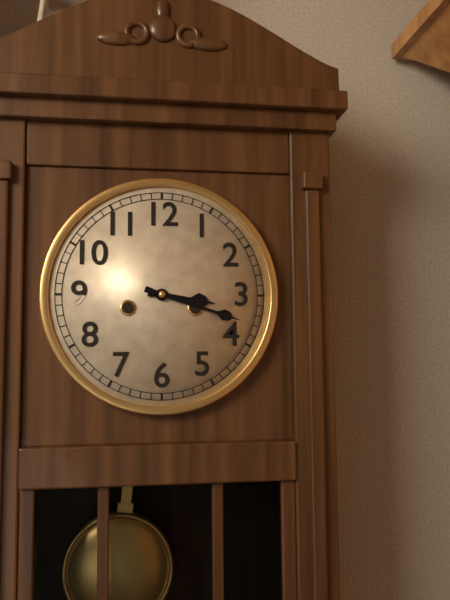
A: 3 h 18 min
